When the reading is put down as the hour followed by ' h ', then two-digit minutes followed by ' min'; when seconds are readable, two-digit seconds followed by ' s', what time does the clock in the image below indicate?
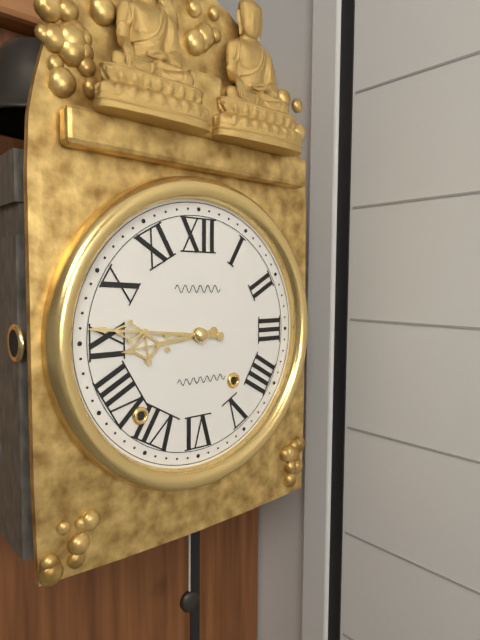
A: 8 h 46 min
